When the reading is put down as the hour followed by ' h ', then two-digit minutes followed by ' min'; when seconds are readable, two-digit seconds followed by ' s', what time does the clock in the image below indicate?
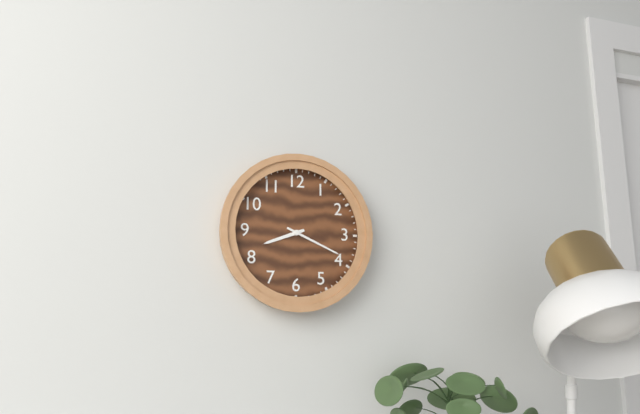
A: 8 h 19 min
